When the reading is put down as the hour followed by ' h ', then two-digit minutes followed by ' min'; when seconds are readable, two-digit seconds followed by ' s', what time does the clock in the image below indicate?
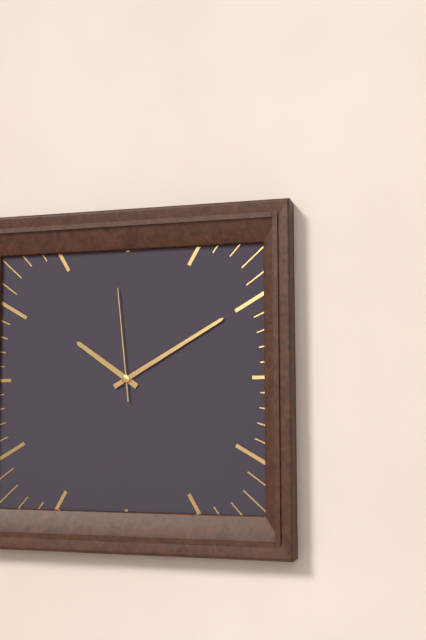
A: 10 h 10 min 59 s
